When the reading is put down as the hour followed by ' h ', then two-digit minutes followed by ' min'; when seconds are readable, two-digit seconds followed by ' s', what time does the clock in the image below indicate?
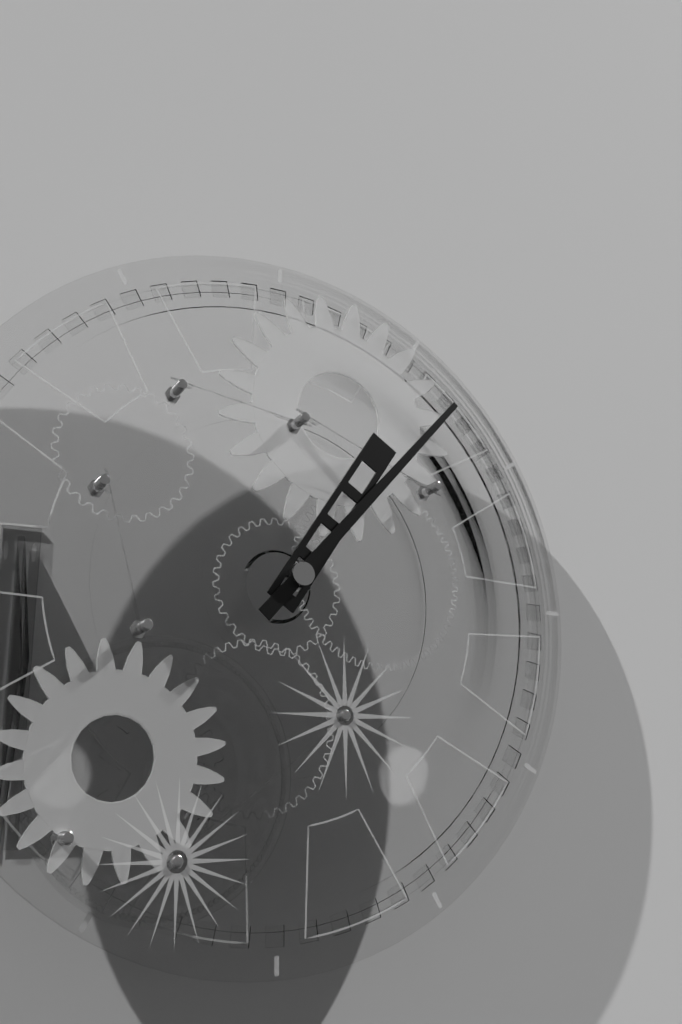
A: 1 h 07 min
